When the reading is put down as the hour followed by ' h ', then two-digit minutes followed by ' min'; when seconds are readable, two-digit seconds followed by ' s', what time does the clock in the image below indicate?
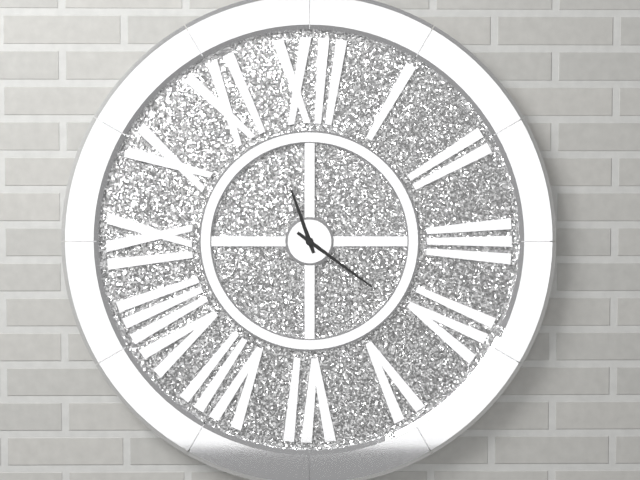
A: 11 h 21 min
